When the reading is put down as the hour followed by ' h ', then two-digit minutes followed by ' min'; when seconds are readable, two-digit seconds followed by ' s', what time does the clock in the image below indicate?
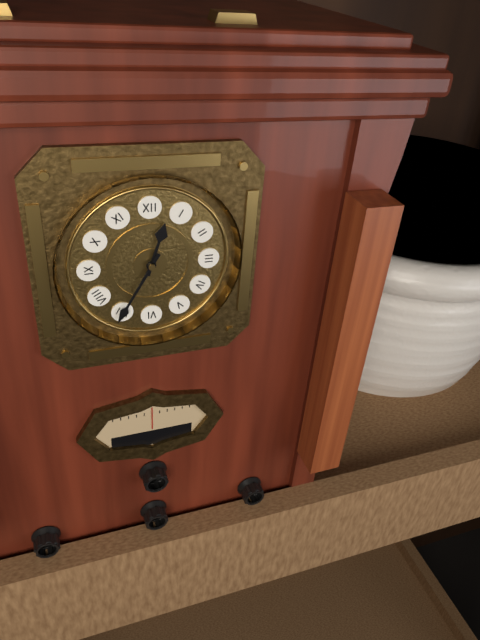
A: 12 h 35 min
